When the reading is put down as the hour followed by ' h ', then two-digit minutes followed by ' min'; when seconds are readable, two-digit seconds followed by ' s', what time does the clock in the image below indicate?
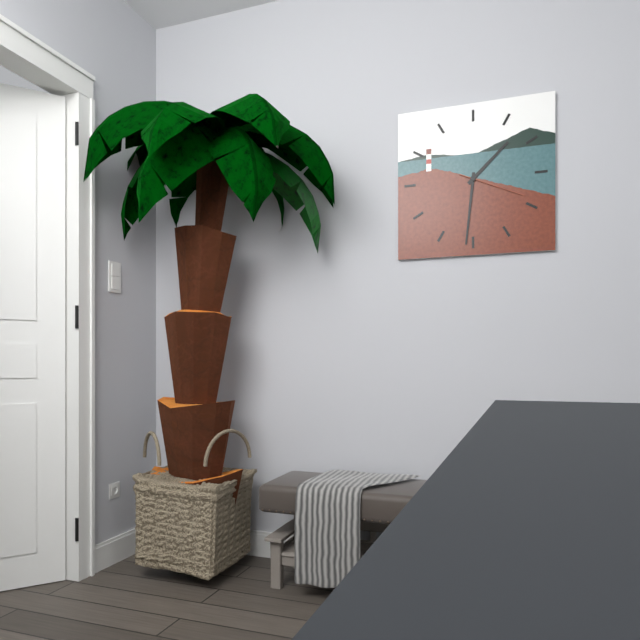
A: 1 h 31 min 19 s
